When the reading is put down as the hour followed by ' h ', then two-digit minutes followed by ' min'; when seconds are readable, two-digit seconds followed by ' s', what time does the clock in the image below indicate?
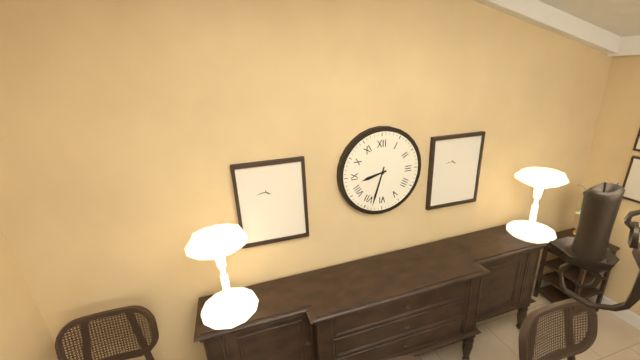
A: 8 h 33 min
